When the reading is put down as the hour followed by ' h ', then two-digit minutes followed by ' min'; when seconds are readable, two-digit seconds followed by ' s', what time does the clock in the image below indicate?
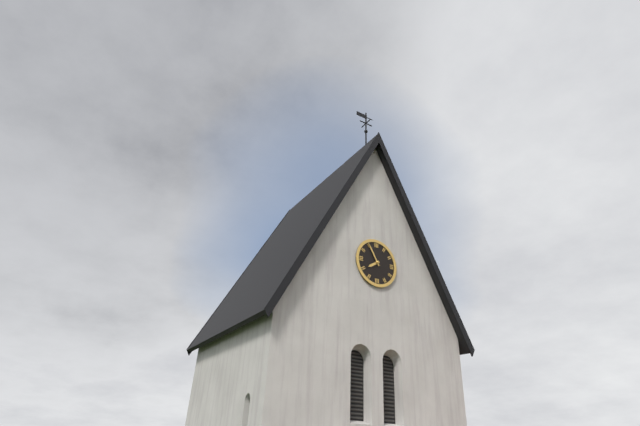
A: 7 h 55 min
